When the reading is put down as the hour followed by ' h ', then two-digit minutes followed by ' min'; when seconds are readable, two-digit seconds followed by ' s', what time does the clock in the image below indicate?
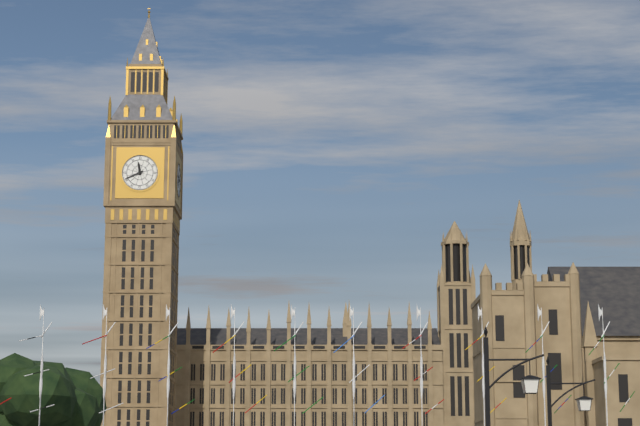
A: 11 h 41 min
